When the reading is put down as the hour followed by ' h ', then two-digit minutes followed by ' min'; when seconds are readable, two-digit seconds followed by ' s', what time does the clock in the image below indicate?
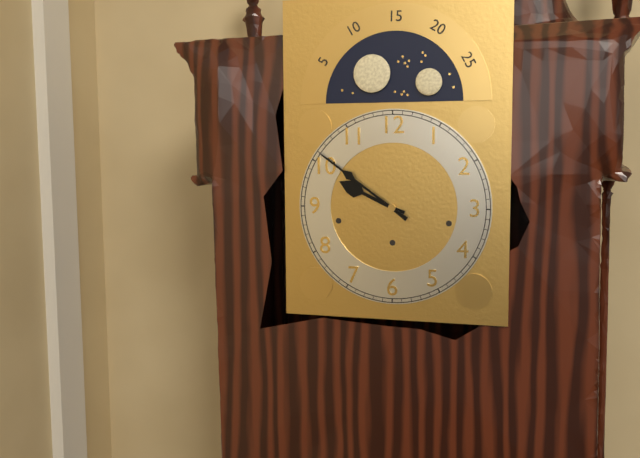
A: 9 h 51 min
